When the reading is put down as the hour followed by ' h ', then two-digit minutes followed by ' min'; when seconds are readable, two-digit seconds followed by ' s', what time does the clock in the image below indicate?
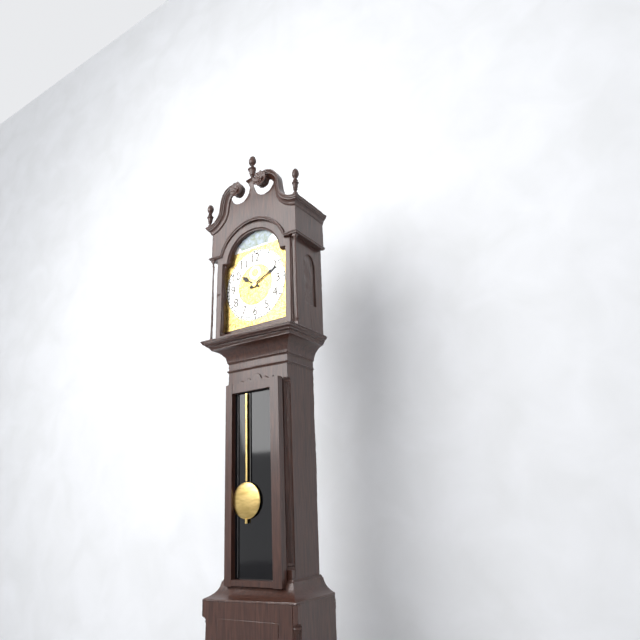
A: 10 h 11 min
